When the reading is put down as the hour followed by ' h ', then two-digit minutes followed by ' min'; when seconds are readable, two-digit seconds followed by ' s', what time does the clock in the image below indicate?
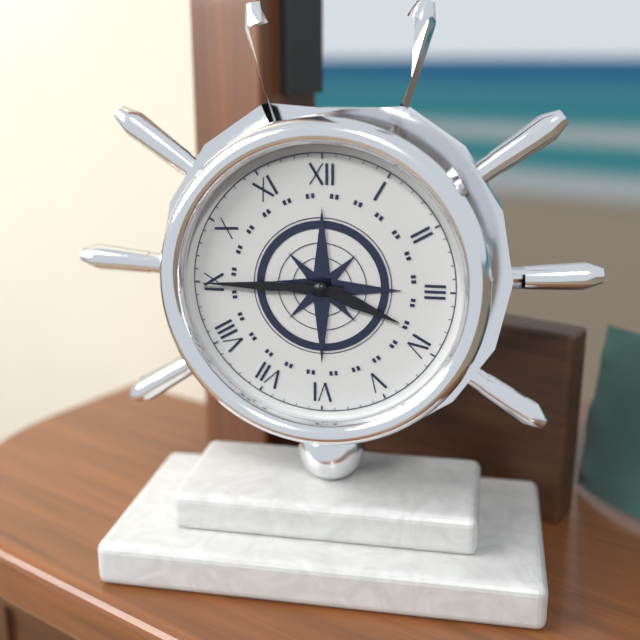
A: 3 h 45 min
